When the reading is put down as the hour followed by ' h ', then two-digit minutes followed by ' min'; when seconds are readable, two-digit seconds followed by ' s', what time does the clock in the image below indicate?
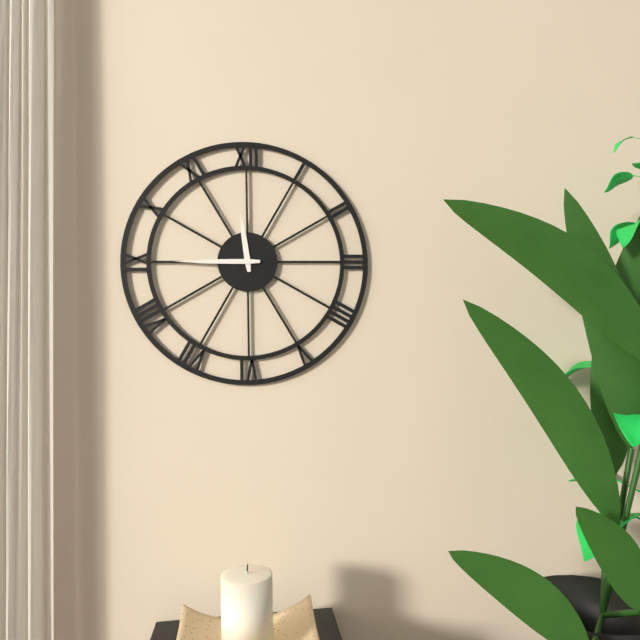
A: 11 h 45 min
